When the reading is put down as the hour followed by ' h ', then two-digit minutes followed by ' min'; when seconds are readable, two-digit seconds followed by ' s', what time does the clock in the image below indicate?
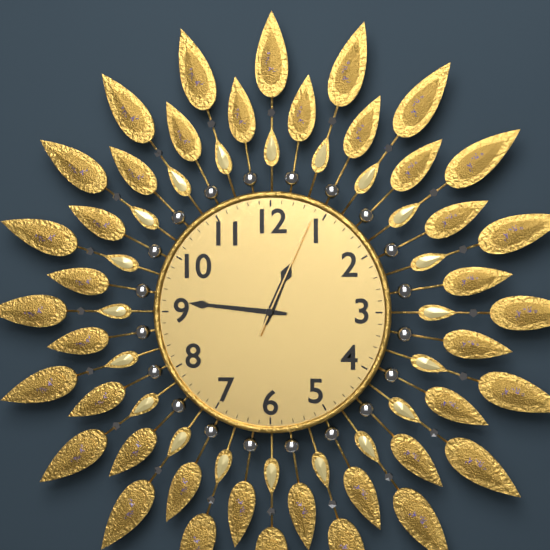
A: 12 h 46 min 04 s
